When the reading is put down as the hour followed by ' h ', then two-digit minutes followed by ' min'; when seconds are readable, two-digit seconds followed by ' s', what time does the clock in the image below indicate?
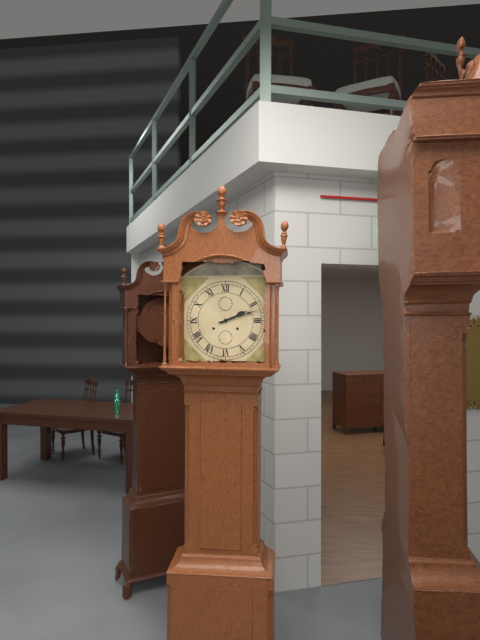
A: 2 h 12 min
